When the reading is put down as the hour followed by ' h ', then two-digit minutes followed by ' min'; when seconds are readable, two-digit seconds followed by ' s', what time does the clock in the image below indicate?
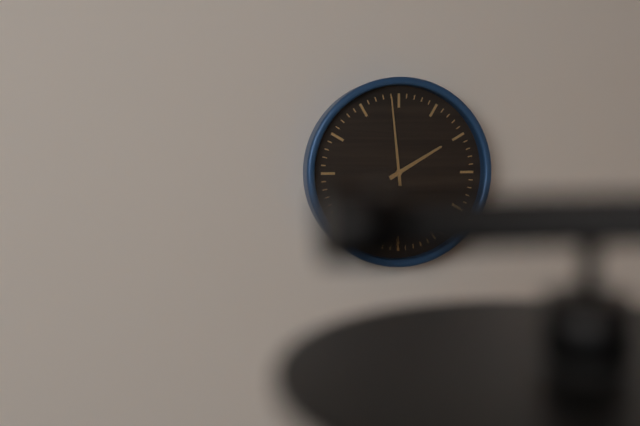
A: 1 h 59 min
